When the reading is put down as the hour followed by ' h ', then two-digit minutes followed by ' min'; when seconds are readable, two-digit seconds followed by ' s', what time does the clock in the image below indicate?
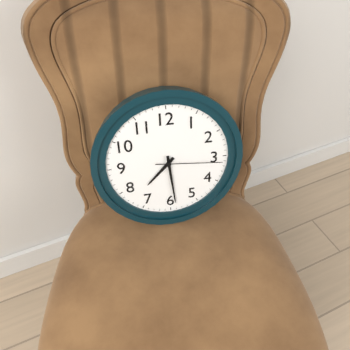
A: 7 h 29 min 16 s
